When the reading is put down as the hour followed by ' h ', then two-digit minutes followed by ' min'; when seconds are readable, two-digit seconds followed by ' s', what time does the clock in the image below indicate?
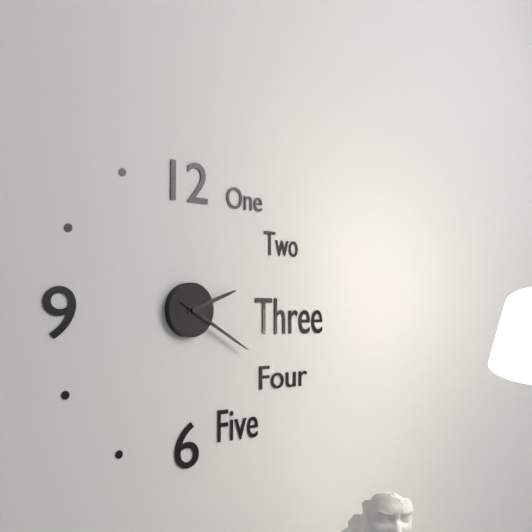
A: 2 h 20 min 20 s
